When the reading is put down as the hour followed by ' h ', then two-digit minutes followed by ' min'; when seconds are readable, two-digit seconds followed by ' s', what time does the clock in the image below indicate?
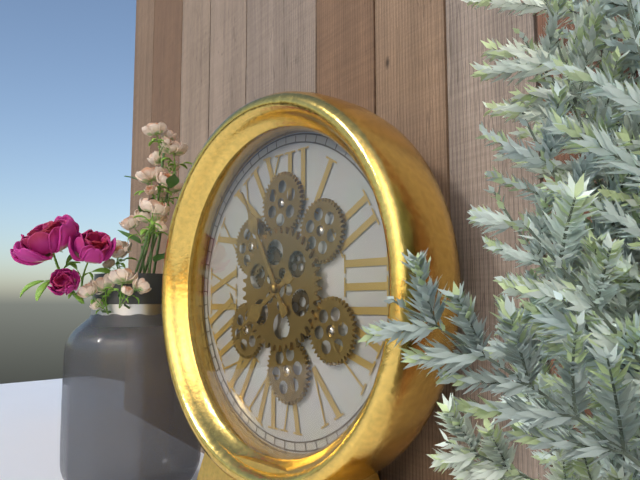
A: 7 h 55 min
